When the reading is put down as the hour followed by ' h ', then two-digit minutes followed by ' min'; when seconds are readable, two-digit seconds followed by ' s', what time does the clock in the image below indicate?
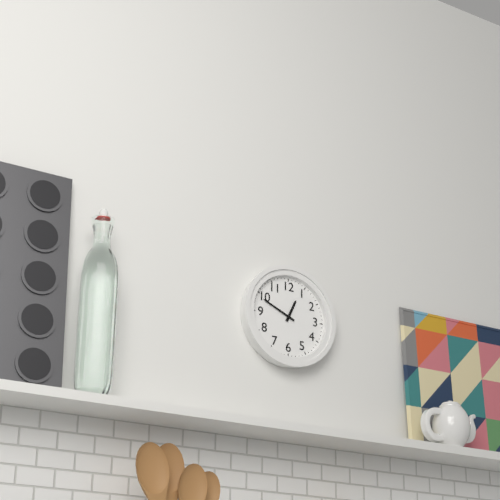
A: 12 h 49 min
